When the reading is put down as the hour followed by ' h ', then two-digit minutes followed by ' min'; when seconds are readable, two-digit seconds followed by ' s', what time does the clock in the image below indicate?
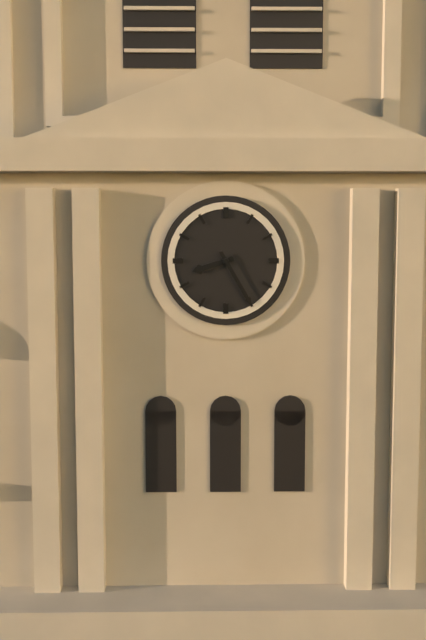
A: 8 h 25 min
